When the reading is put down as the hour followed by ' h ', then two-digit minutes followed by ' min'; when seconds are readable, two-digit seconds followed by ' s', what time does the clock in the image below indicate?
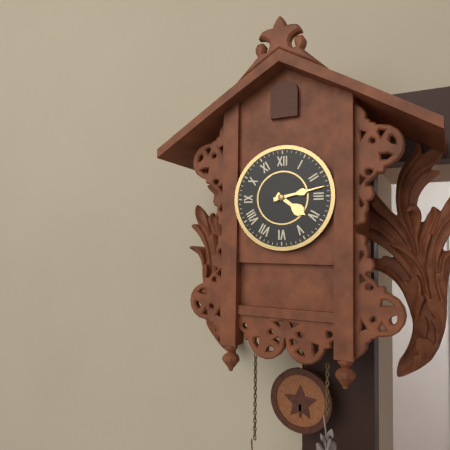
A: 4 h 13 min
